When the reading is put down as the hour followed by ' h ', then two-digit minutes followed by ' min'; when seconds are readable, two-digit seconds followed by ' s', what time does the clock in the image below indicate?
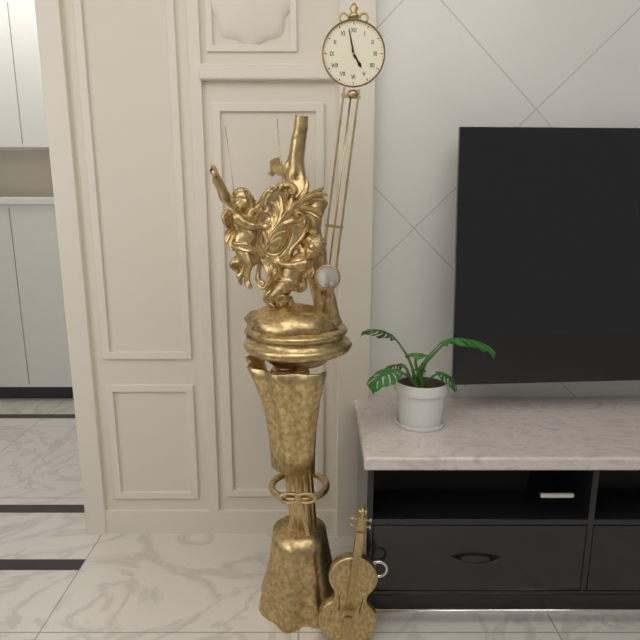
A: 4 h 58 min
